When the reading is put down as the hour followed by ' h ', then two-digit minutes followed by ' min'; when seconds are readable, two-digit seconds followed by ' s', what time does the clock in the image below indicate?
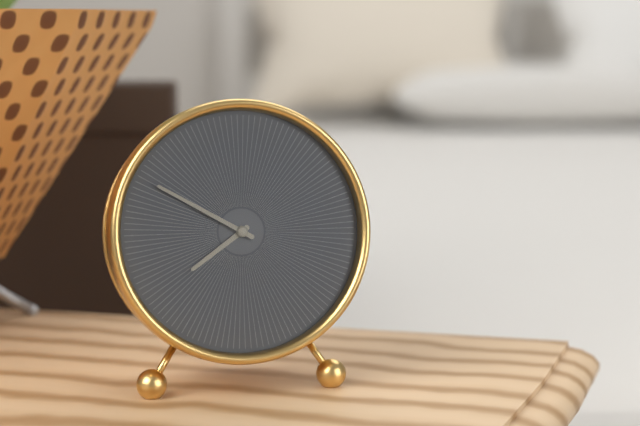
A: 7 h 50 min
